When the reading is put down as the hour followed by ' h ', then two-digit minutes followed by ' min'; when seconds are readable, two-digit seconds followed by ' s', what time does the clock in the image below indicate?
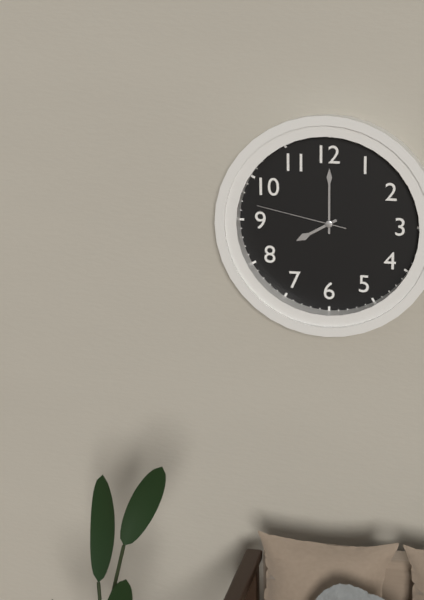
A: 8 h 00 min 47 s
